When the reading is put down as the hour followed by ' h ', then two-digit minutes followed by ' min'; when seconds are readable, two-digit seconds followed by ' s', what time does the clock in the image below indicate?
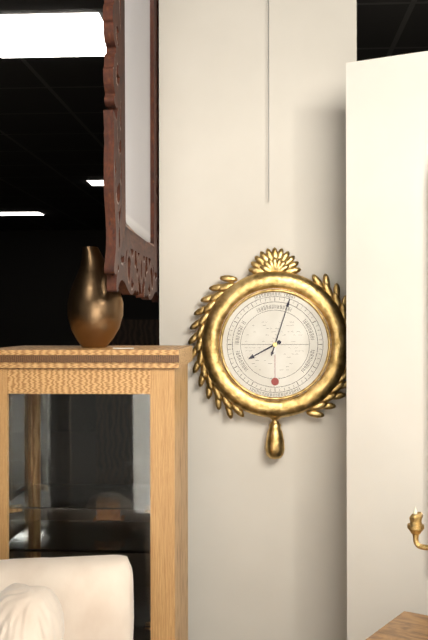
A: 8 h 03 min
